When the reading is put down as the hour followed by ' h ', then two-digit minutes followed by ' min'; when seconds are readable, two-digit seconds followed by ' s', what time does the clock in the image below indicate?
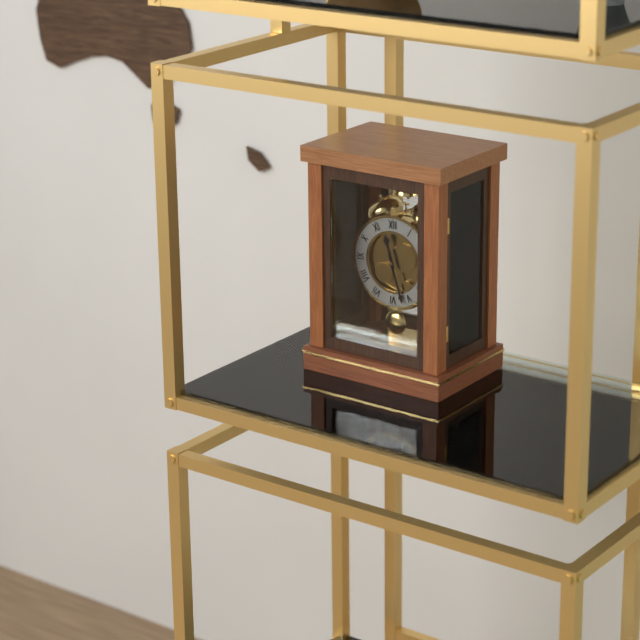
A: 11 h 27 min
